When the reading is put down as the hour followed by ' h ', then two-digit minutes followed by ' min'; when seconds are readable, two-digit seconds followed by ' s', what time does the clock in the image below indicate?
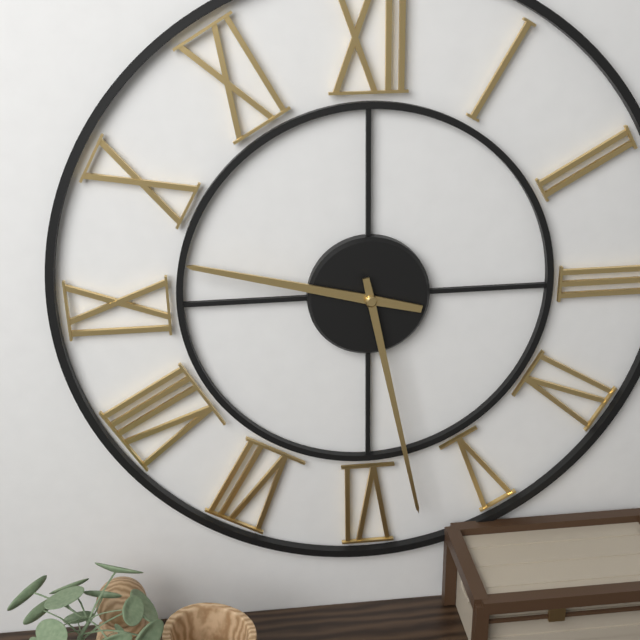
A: 9 h 28 min
